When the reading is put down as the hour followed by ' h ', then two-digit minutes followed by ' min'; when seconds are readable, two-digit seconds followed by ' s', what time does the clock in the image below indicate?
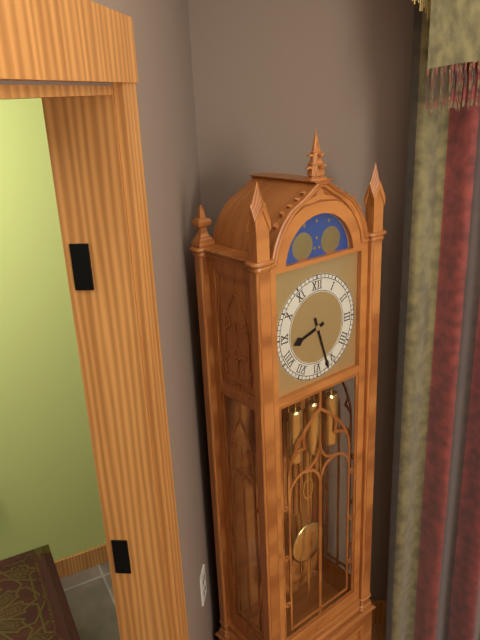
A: 8 h 27 min
